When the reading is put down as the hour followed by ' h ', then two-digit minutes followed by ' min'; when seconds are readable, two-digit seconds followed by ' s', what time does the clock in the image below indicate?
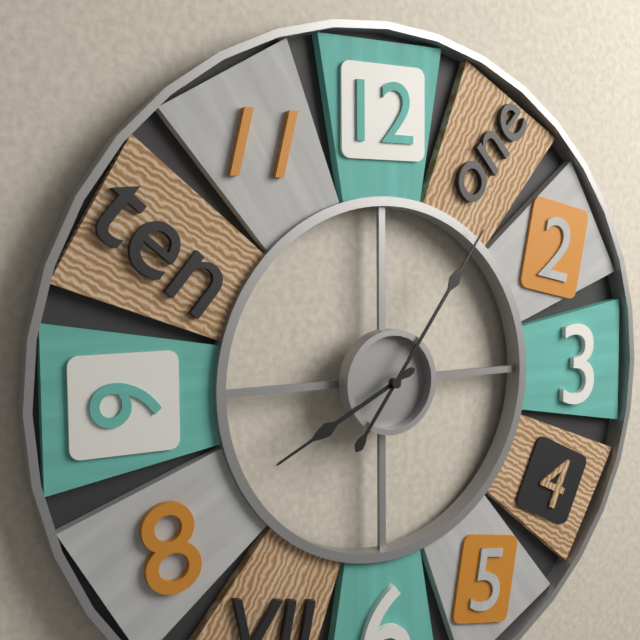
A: 8 h 06 min
